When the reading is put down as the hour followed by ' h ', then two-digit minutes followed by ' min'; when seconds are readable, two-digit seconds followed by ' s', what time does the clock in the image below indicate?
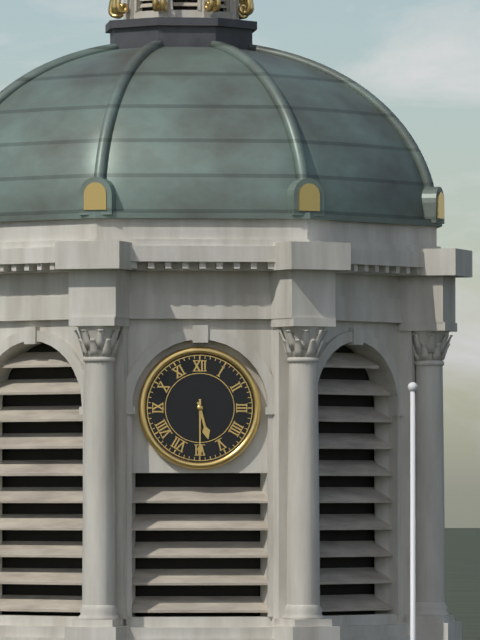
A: 5 h 30 min
